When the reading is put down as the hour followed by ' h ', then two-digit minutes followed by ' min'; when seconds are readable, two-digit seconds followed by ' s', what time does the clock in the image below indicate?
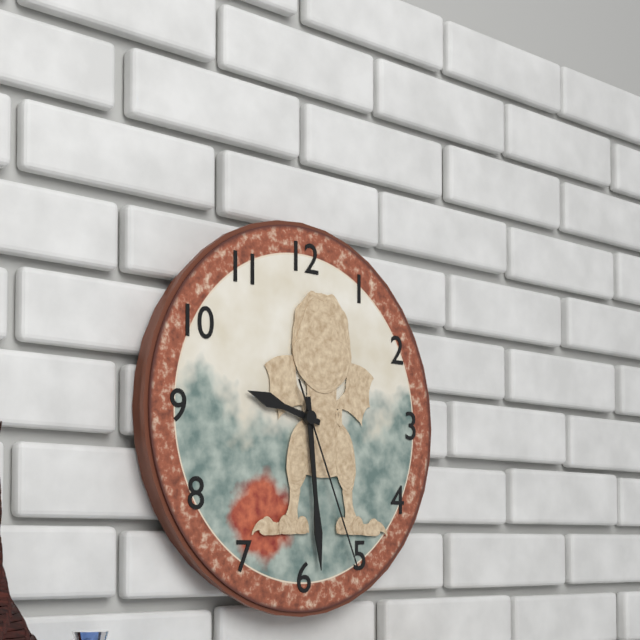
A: 9 h 29 min 26 s
